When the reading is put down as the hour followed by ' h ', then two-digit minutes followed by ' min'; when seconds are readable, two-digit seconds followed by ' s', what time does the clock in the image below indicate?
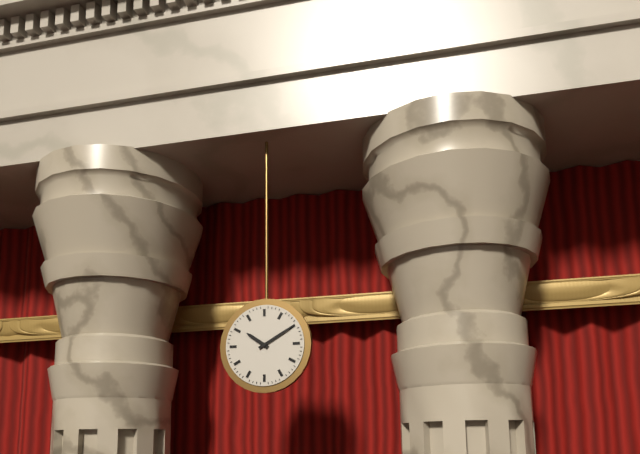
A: 10 h 10 min
